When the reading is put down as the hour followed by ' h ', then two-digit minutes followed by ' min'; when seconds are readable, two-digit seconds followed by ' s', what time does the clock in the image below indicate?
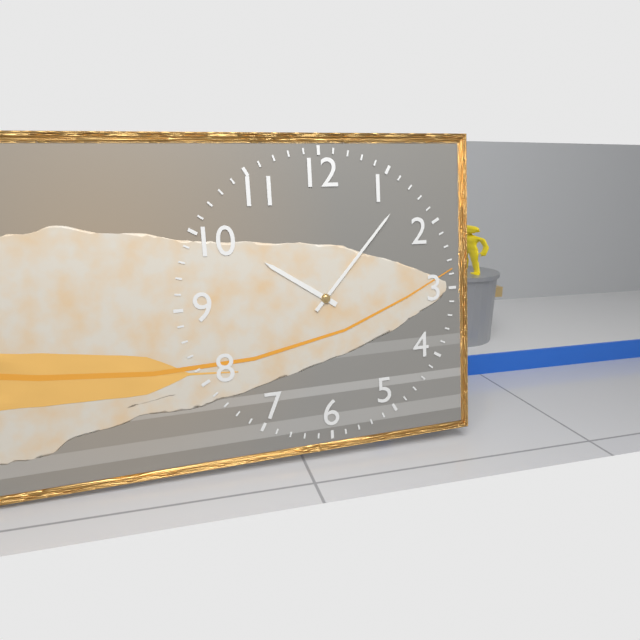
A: 10 h 07 min
